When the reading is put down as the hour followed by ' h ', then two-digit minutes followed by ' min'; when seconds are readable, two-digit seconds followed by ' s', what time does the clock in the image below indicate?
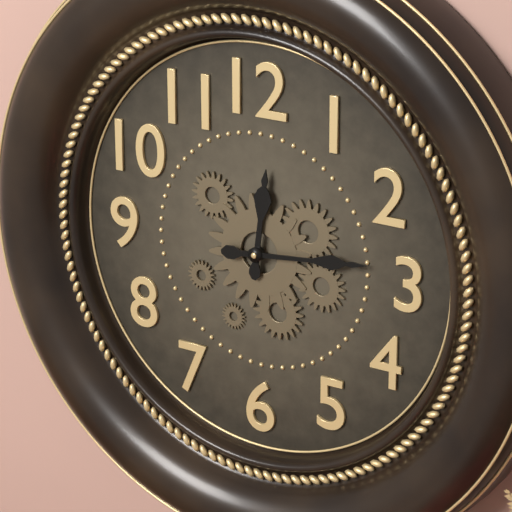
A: 12 h 14 min
